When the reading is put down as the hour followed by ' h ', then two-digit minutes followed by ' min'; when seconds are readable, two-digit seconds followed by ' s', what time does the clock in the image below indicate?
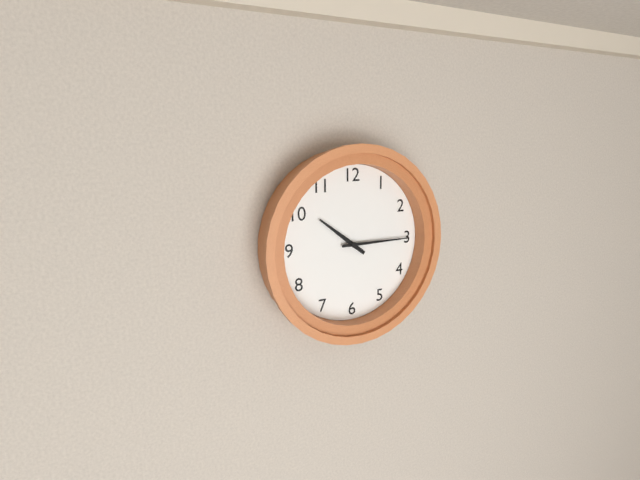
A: 10 h 15 min
